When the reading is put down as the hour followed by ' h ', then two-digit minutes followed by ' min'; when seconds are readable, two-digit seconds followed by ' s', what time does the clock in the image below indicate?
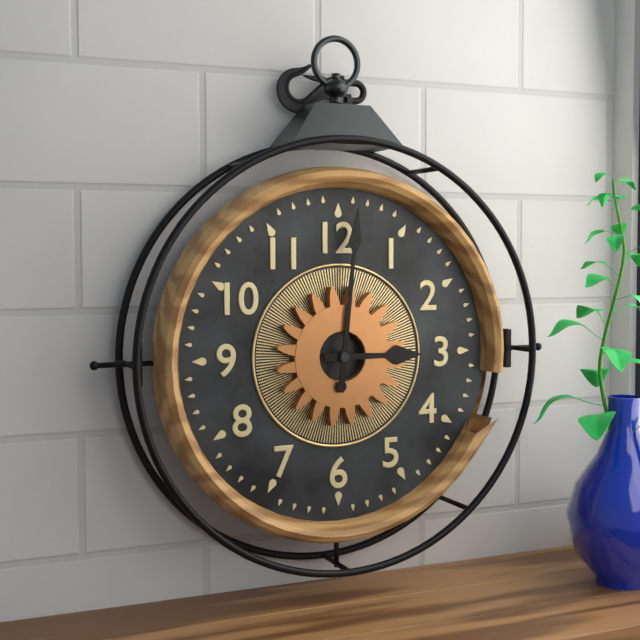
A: 3 h 01 min
